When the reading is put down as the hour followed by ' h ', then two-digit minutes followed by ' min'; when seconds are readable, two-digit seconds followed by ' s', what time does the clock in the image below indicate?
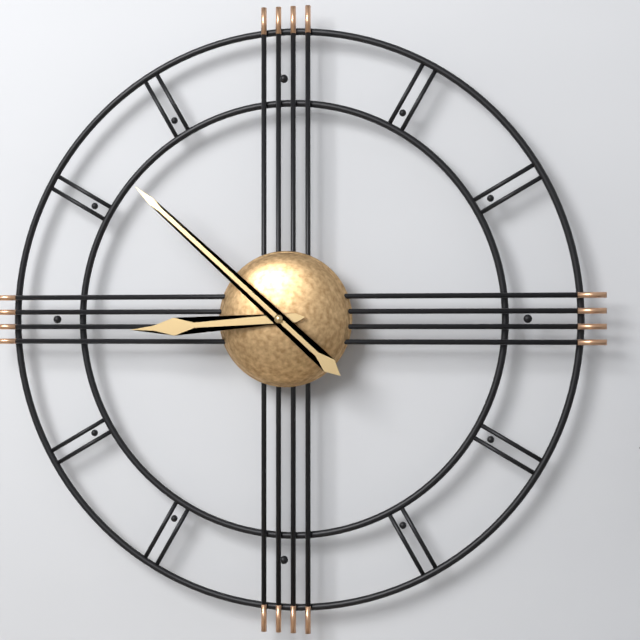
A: 8 h 52 min
